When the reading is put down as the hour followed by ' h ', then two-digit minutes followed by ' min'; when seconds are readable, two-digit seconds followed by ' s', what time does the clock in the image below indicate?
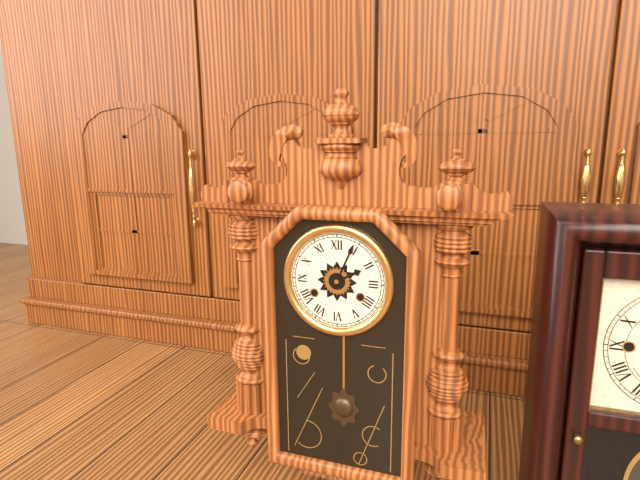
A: 2 h 04 min
